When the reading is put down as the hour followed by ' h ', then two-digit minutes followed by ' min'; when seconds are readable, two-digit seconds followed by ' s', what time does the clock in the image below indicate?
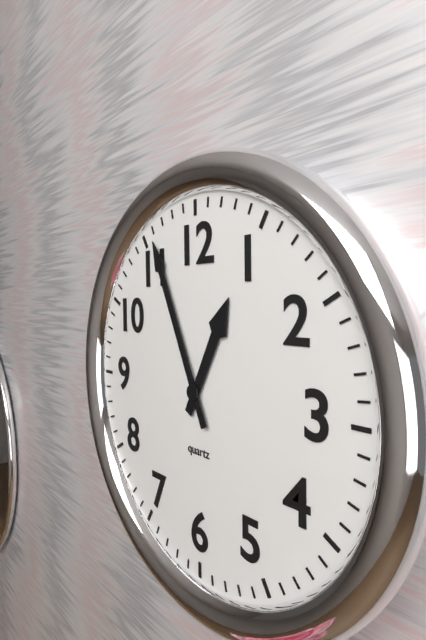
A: 12 h 56 min
